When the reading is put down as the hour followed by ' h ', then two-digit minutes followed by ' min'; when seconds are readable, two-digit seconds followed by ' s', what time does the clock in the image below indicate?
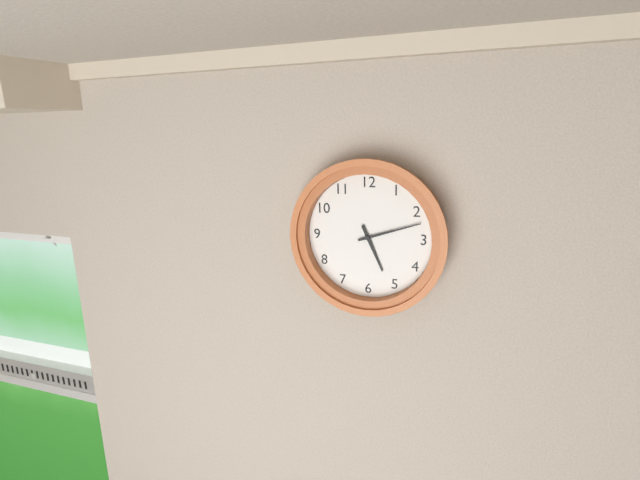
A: 5 h 12 min
